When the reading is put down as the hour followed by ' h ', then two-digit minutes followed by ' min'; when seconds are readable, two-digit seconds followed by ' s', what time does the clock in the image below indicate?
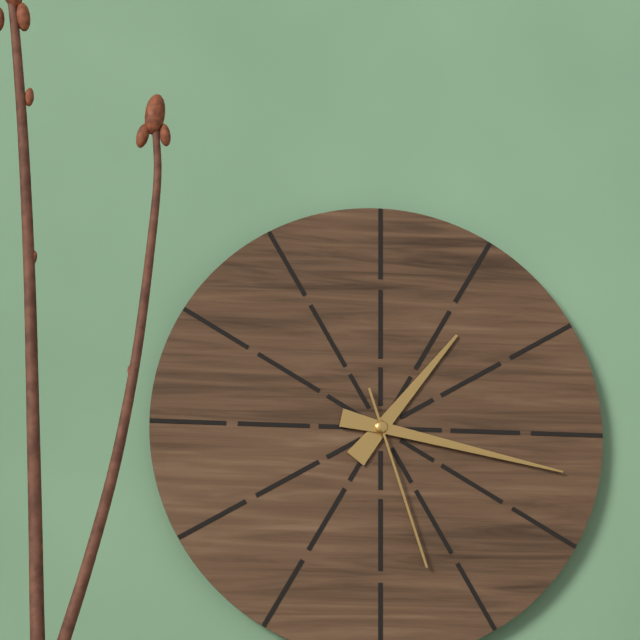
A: 1 h 17 min 27 s
